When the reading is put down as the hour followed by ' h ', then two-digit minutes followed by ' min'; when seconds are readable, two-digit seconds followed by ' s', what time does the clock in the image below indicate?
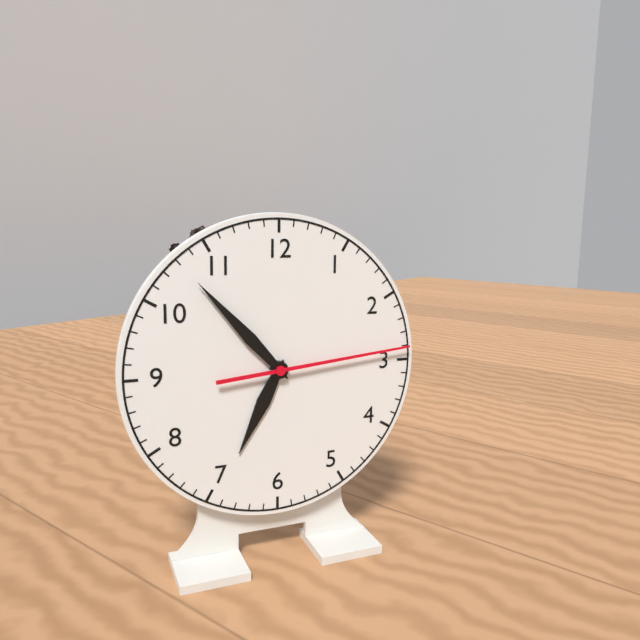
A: 6 h 53 min 14 s
